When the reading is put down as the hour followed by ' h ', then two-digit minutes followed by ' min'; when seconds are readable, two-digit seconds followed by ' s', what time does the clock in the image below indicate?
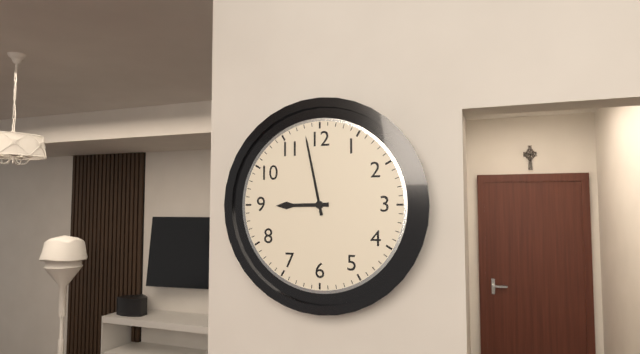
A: 8 h 58 min
